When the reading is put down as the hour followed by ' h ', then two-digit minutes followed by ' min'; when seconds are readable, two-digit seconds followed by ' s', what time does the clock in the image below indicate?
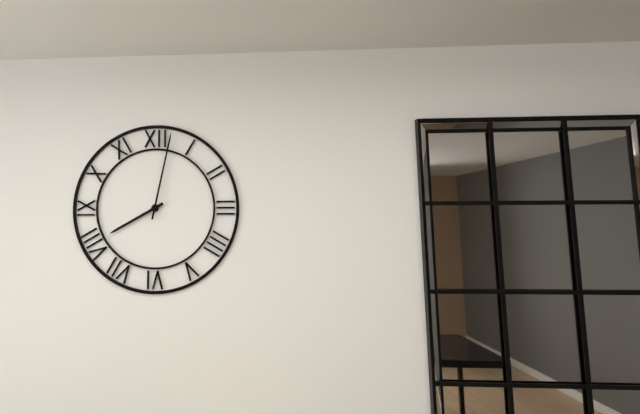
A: 8 h 02 min
